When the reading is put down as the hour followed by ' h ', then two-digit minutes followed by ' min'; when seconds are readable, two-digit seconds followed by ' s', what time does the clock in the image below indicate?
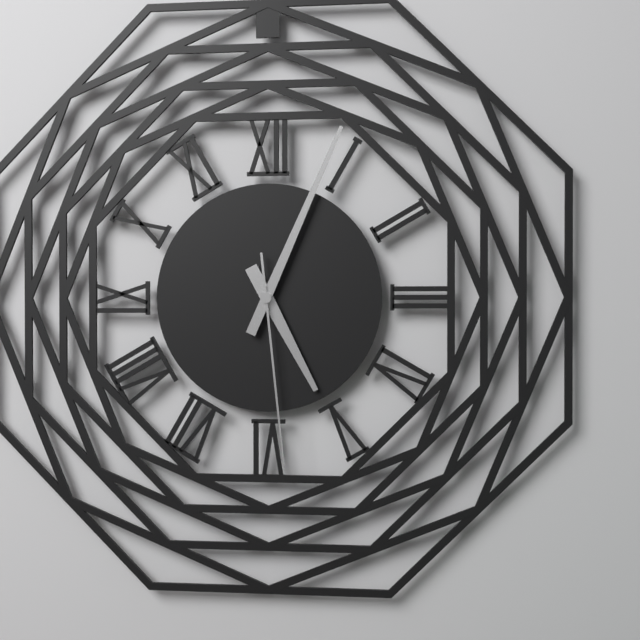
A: 5 h 04 min 29 s
